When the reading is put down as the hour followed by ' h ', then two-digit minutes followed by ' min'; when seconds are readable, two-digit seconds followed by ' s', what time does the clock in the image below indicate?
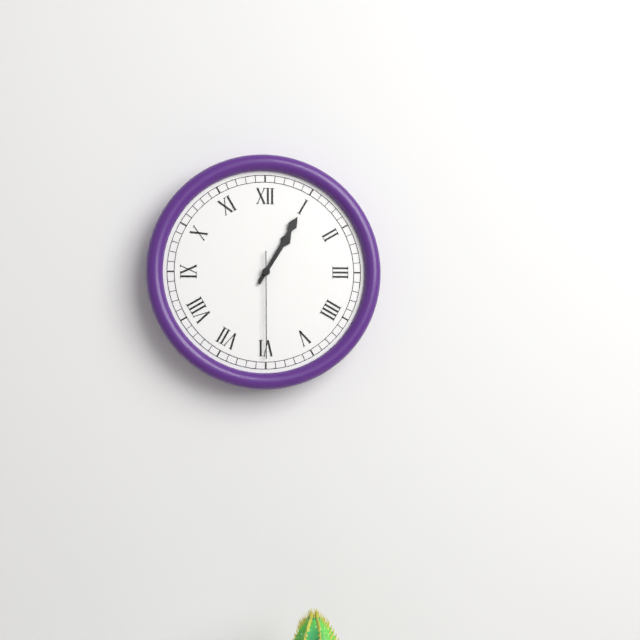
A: 1 h 05 min 30 s
